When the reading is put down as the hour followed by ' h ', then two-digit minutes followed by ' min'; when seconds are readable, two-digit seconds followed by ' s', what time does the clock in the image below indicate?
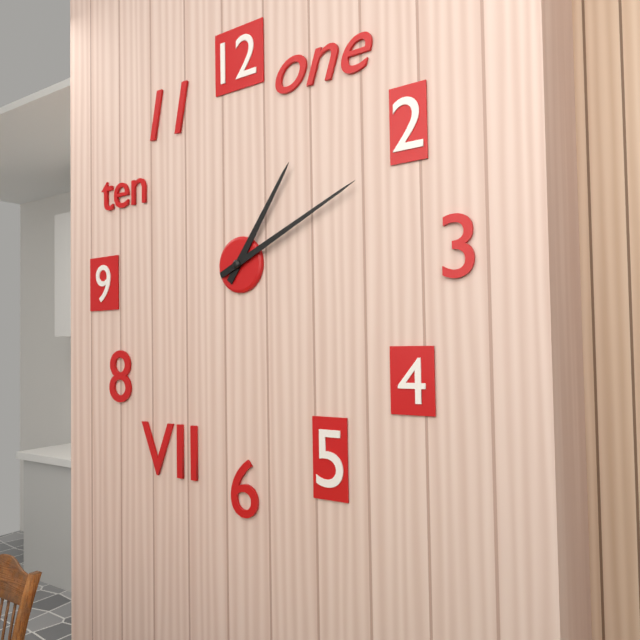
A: 1 h 11 min
